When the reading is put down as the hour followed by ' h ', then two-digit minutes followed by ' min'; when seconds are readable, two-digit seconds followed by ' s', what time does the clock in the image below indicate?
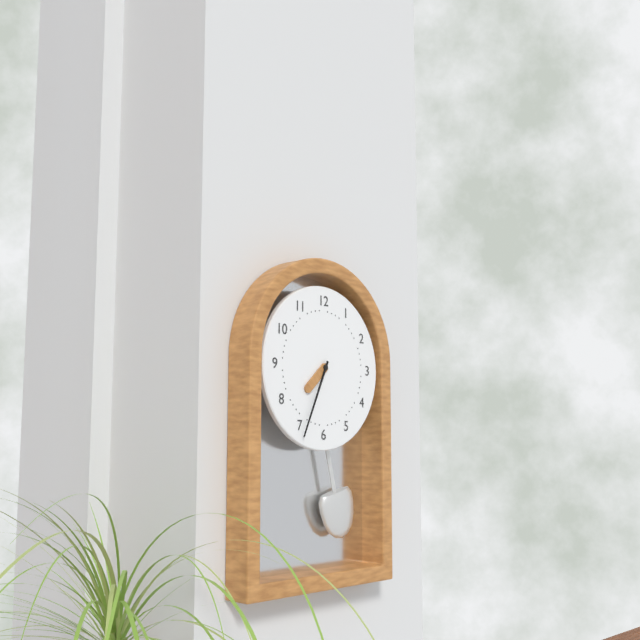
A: 7 h 34 min
